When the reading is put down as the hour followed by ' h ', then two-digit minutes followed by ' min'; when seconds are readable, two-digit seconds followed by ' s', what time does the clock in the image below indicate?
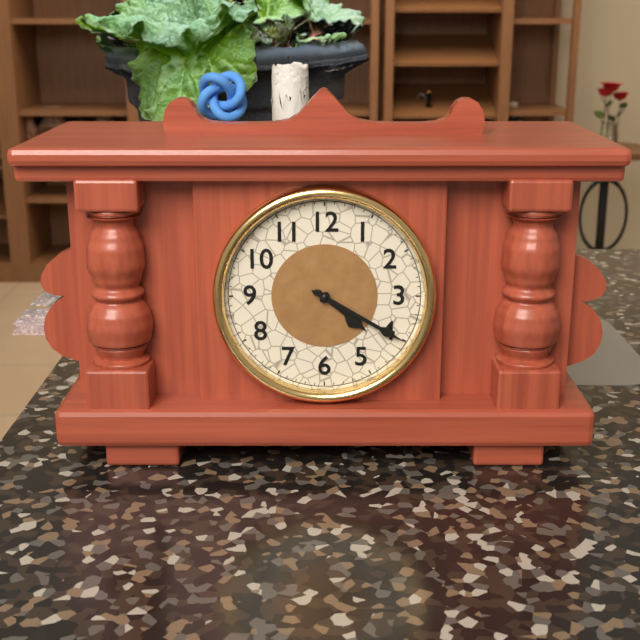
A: 4 h 20 min
